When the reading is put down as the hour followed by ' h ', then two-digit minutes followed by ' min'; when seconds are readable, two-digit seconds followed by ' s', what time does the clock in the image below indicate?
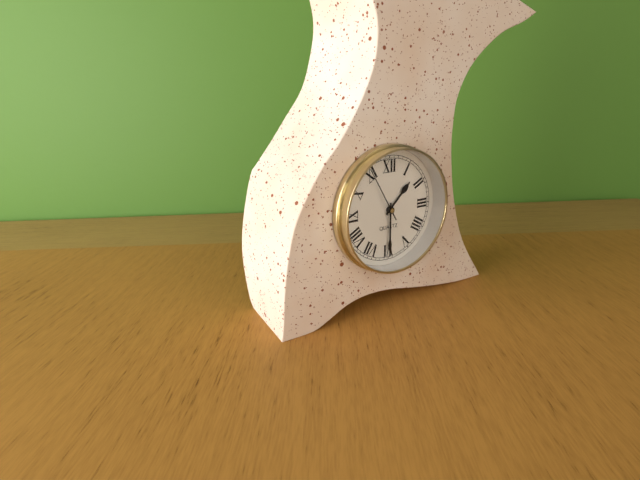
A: 1 h 30 min 55 s
